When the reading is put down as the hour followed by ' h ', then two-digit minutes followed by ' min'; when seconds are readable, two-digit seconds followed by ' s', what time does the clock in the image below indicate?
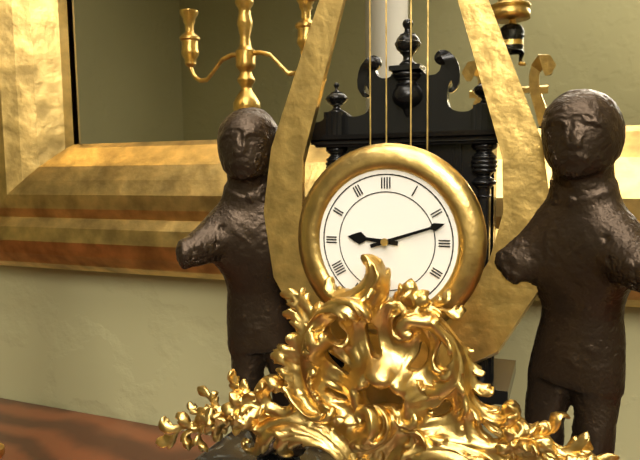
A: 9 h 12 min
